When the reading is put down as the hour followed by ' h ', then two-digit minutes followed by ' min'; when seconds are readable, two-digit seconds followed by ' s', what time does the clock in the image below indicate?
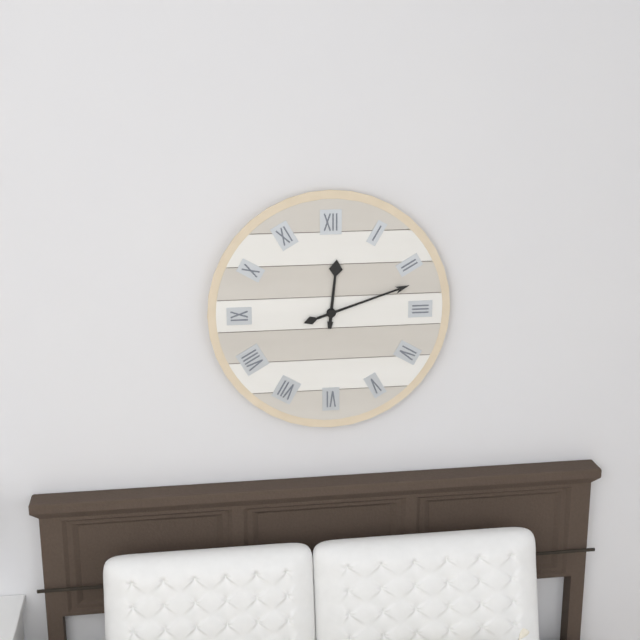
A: 12 h 12 min
